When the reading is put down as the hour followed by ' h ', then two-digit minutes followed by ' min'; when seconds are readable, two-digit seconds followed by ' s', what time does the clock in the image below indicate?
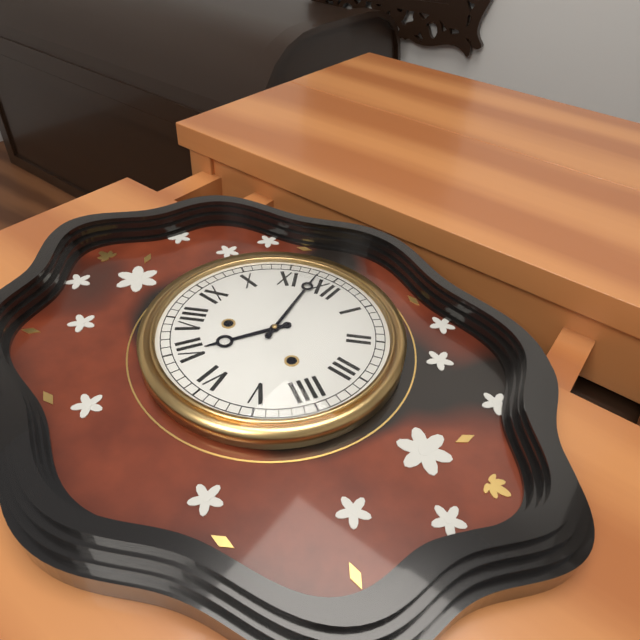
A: 6 h 58 min
